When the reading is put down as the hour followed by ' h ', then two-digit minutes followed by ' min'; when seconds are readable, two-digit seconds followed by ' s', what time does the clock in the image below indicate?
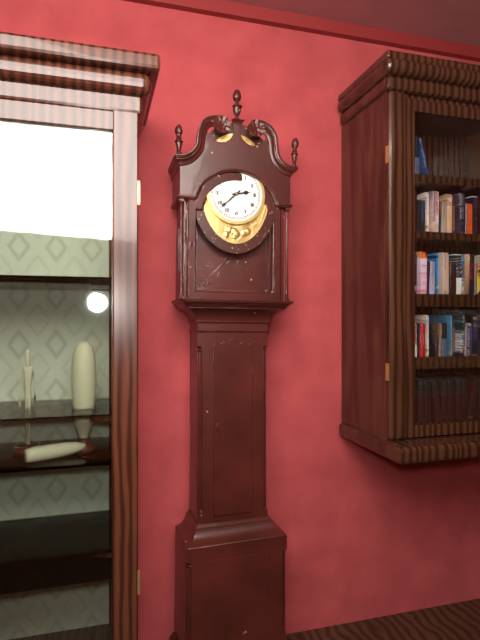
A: 2 h 38 min
